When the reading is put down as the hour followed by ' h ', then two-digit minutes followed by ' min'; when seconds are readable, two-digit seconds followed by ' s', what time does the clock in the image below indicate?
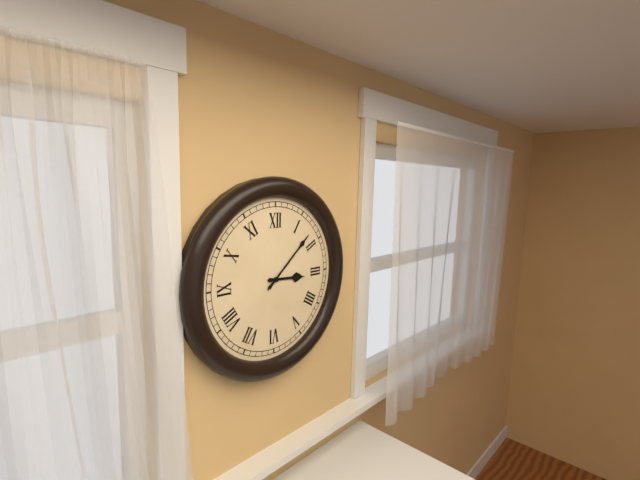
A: 3 h 08 min
